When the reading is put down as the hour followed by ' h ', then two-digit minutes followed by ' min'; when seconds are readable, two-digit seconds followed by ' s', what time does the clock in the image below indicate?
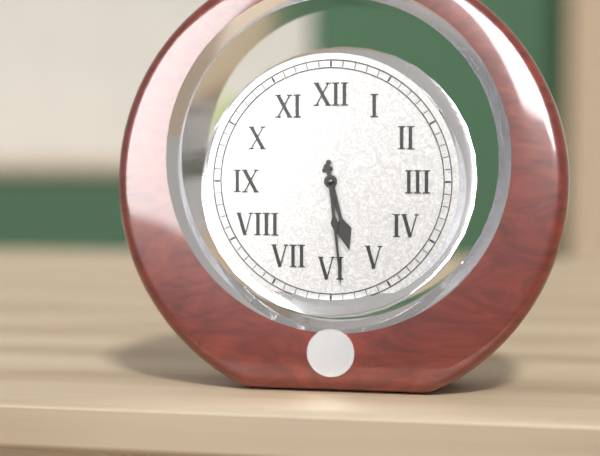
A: 5 h 29 min
